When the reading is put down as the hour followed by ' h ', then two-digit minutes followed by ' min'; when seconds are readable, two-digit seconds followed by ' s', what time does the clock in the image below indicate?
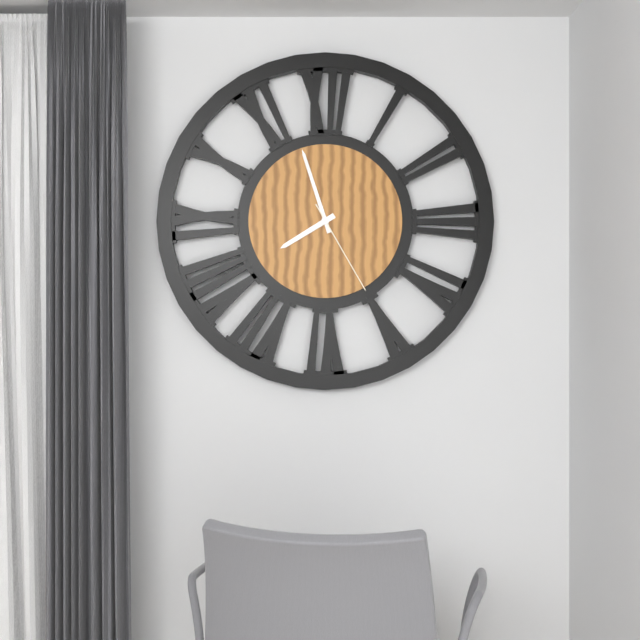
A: 7 h 57 min 25 s
